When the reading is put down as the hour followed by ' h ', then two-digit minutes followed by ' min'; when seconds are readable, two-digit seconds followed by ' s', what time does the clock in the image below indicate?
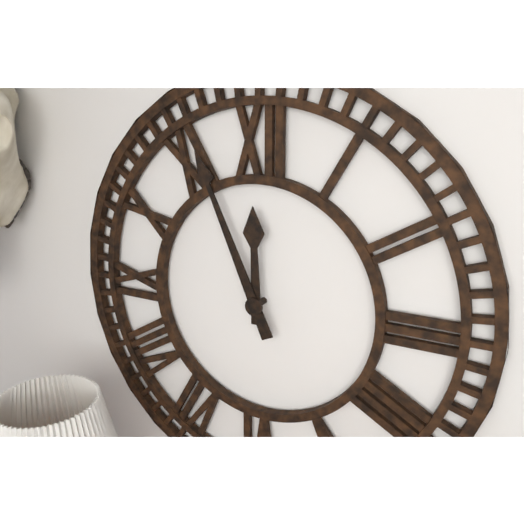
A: 11 h 56 min
